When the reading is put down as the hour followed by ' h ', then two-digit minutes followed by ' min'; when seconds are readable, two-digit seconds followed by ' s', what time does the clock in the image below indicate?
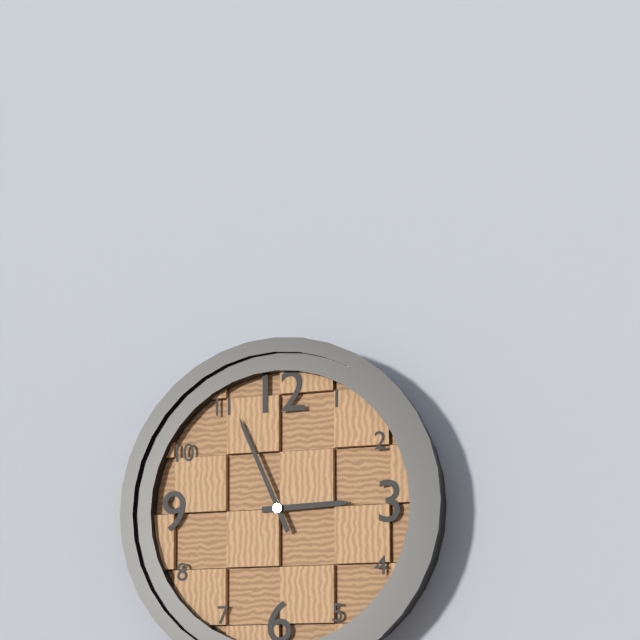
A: 2 h 56 min
